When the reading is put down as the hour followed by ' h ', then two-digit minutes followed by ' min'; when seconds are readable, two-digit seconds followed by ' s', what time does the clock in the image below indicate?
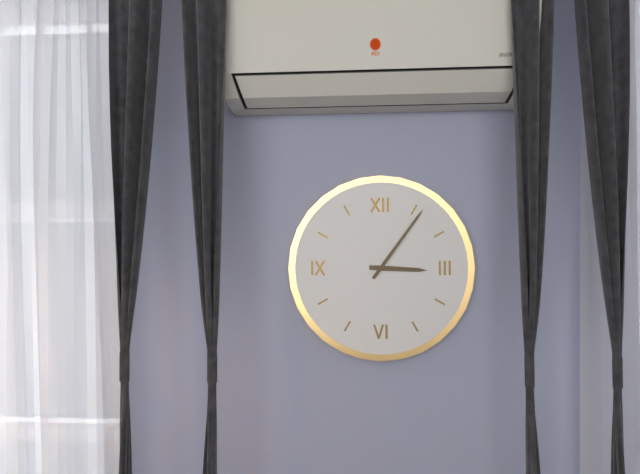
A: 3 h 06 min
